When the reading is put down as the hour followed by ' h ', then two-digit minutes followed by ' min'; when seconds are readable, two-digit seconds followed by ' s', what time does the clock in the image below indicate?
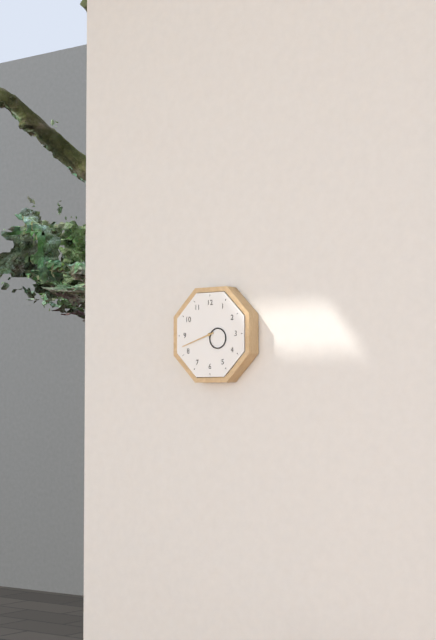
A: 3 h 42 min
